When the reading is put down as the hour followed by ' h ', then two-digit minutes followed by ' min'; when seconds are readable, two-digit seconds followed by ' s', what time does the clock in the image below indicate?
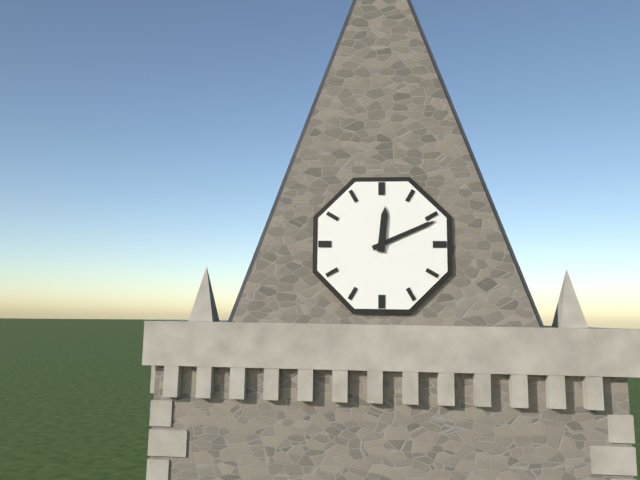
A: 12 h 11 min
